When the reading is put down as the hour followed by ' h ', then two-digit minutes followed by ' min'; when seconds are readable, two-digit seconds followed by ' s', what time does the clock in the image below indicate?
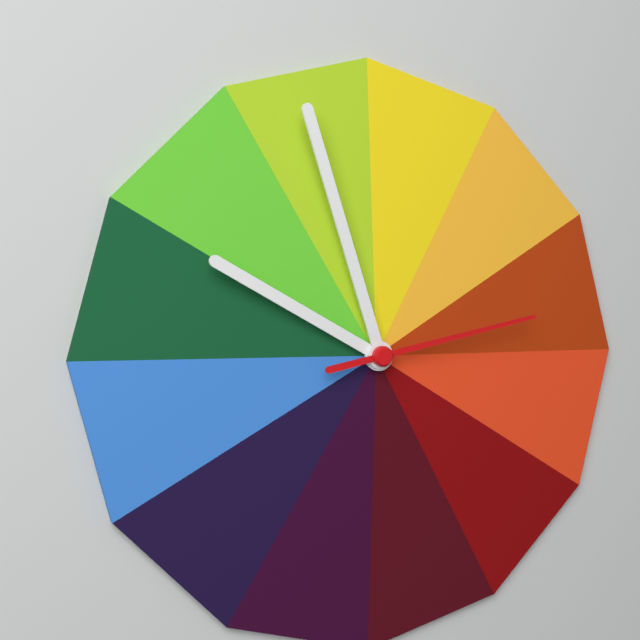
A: 9 h 57 min 13 s
